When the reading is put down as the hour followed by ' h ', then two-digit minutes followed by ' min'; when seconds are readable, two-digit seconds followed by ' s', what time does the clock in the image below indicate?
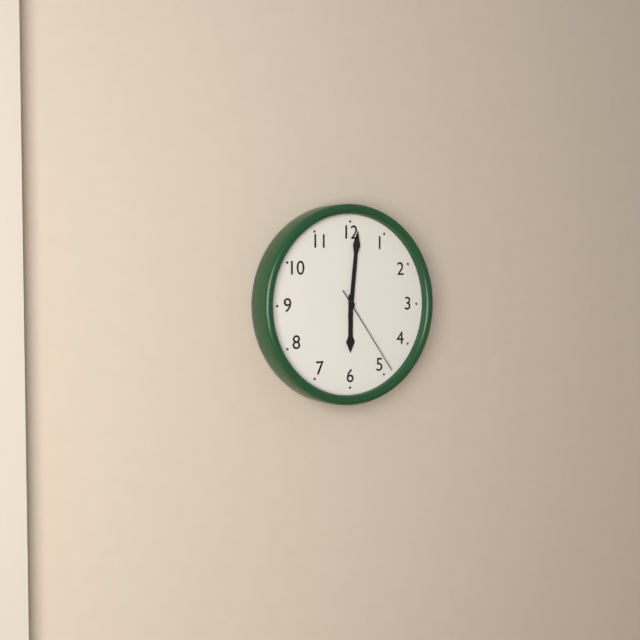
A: 6 h 01 min 24 s
